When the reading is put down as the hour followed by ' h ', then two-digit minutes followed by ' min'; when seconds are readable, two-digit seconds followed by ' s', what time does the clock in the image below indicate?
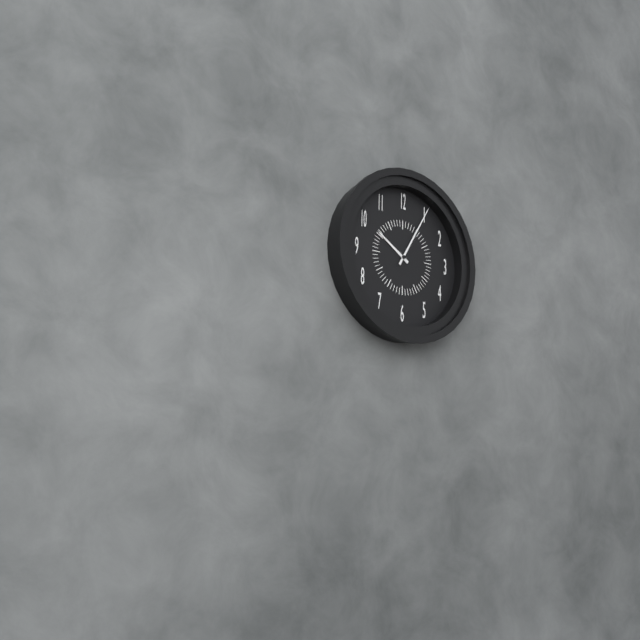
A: 10 h 05 min
